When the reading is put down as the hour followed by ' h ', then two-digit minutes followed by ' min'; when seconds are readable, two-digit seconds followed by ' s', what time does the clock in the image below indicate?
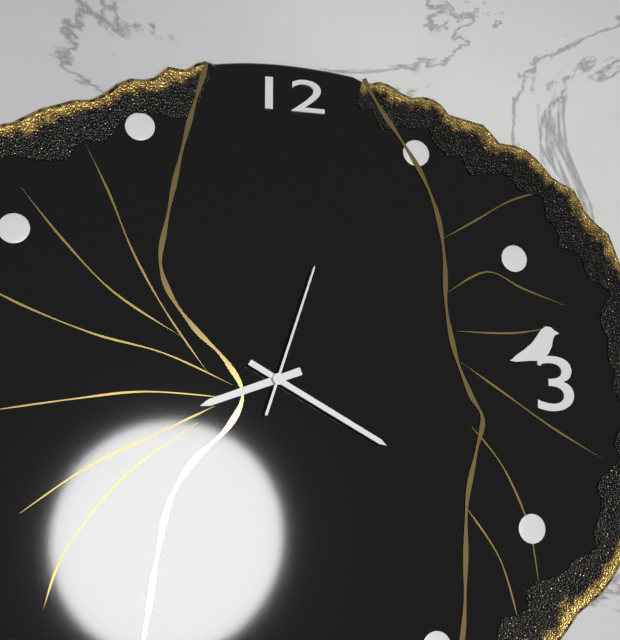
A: 8 h 20 min 03 s
